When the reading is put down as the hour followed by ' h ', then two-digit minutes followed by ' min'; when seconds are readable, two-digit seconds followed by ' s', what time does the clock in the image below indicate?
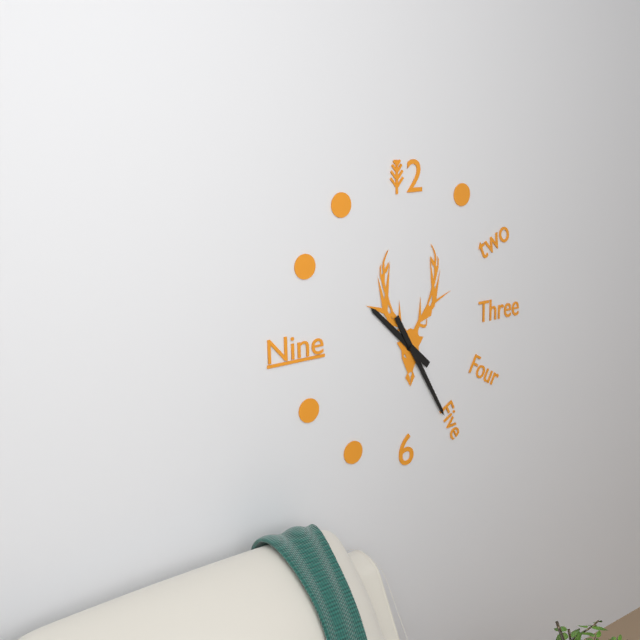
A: 10 h 25 min
